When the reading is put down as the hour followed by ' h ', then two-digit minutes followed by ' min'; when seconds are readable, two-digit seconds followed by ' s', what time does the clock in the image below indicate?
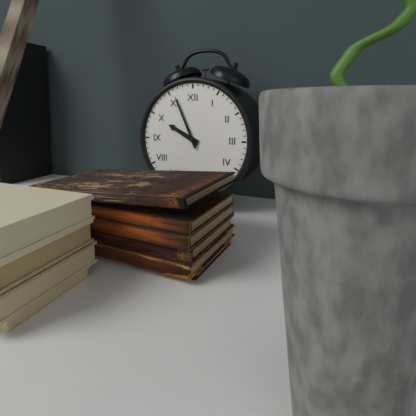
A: 9 h 56 min
